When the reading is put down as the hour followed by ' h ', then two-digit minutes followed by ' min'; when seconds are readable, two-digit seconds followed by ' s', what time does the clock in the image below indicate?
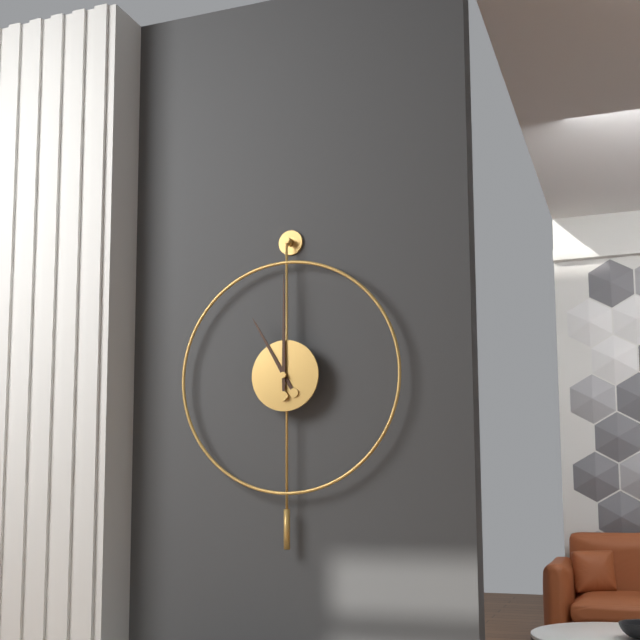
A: 11 h 00 min
